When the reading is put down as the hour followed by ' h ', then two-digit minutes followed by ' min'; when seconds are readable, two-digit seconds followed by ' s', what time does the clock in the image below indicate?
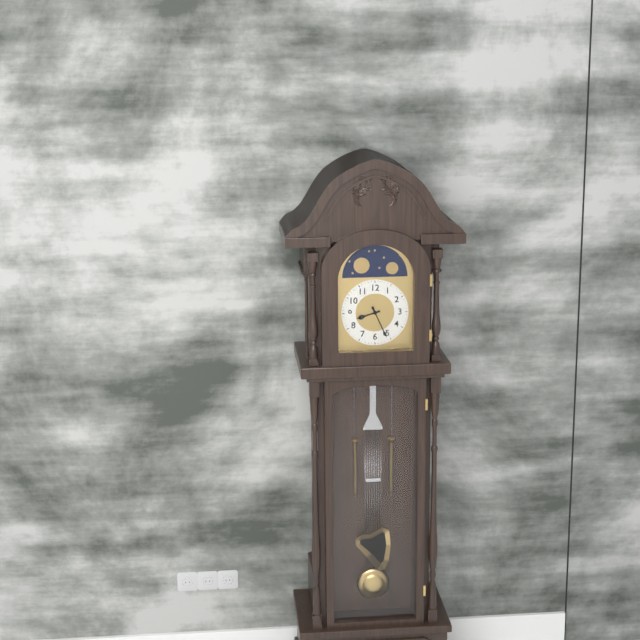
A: 8 h 26 min
